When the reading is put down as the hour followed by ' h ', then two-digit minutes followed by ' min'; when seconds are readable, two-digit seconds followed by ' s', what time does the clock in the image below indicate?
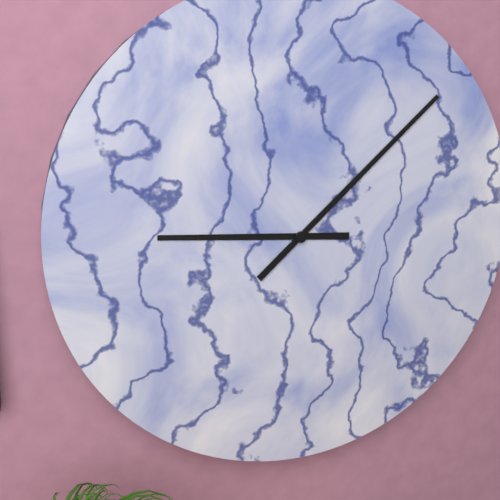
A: 9 h 08 min
